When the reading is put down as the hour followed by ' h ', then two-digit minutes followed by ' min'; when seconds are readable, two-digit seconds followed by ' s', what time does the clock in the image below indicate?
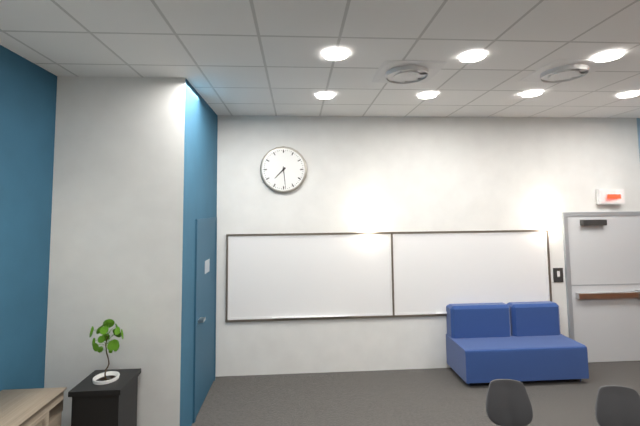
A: 7 h 29 min
